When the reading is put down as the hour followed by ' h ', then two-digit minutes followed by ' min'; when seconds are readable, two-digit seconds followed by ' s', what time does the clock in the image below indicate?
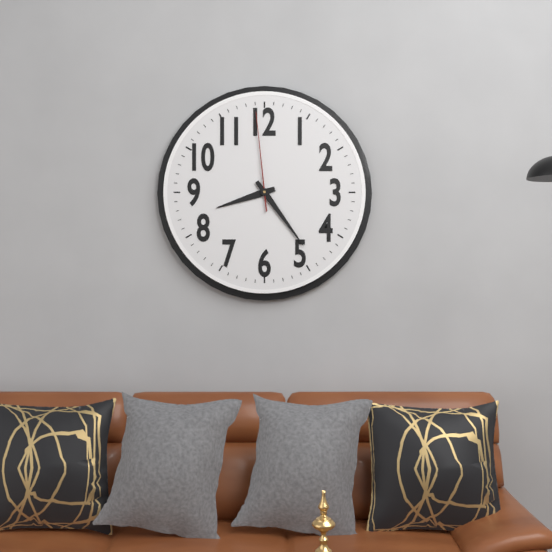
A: 8 h 24 min 59 s
